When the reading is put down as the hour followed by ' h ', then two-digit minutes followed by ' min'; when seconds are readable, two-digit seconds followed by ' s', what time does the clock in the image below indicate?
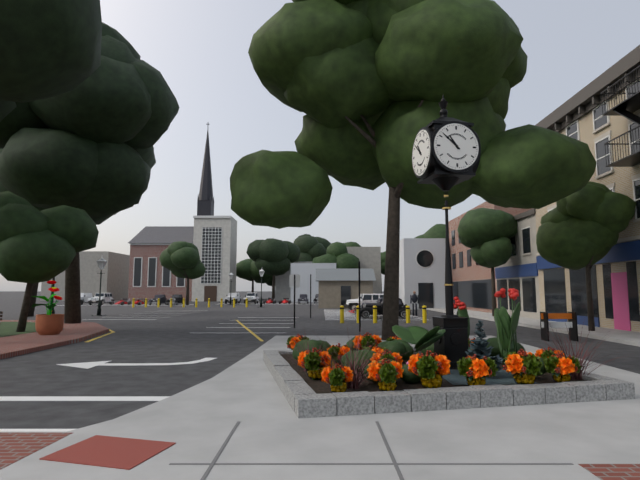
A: 10 h 52 min
